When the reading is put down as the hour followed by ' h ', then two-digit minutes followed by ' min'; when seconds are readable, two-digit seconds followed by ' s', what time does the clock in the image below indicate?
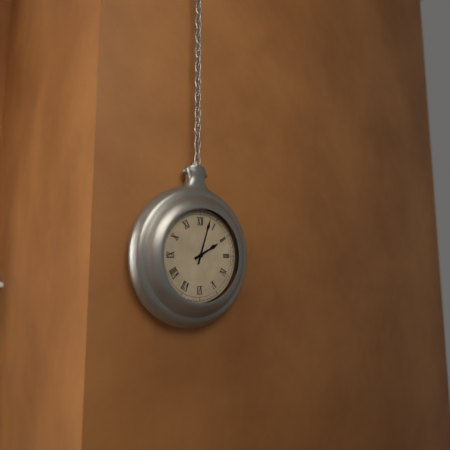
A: 2 h 03 min
